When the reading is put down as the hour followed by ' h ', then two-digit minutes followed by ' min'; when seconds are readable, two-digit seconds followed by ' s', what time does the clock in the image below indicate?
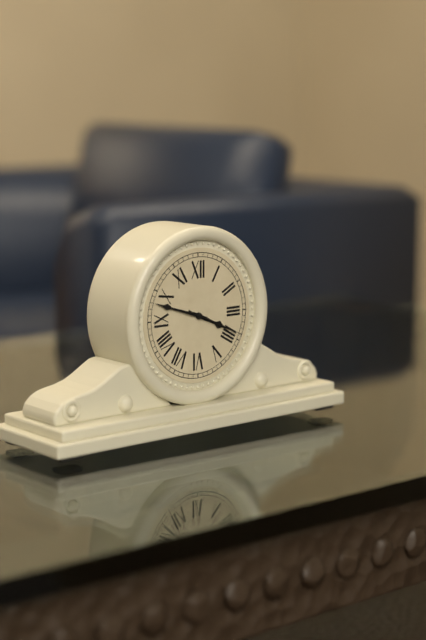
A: 3 h 48 min 19 s
